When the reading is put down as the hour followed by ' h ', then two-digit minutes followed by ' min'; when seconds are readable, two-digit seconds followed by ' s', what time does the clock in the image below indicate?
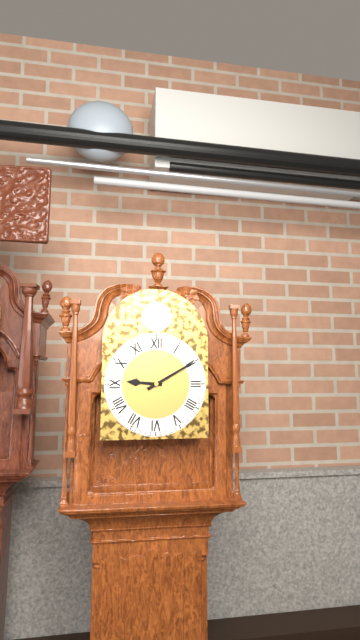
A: 9 h 10 min
